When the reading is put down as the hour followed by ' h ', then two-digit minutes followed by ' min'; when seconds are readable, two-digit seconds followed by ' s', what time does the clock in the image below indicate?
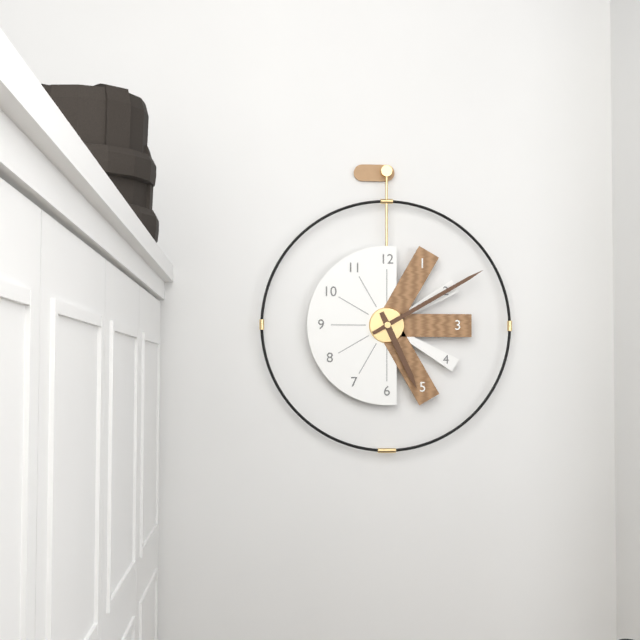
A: 5 h 10 min
